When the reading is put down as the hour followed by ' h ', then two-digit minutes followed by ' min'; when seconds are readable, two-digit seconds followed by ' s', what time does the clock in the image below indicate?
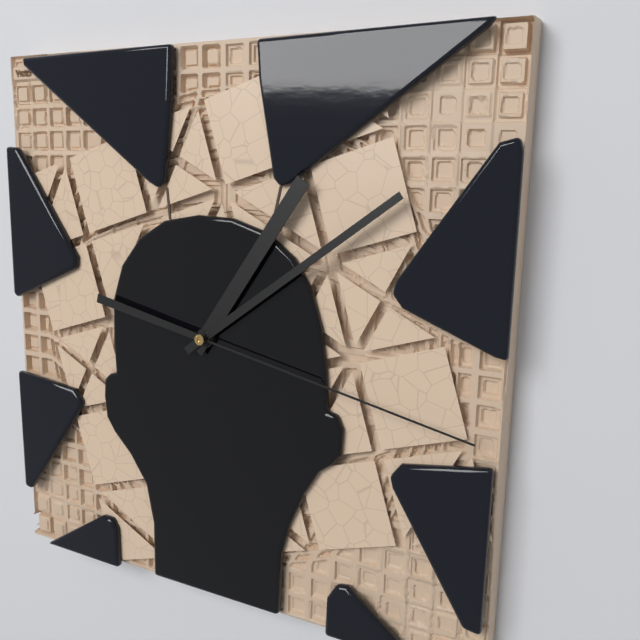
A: 1 h 09 min 17 s
